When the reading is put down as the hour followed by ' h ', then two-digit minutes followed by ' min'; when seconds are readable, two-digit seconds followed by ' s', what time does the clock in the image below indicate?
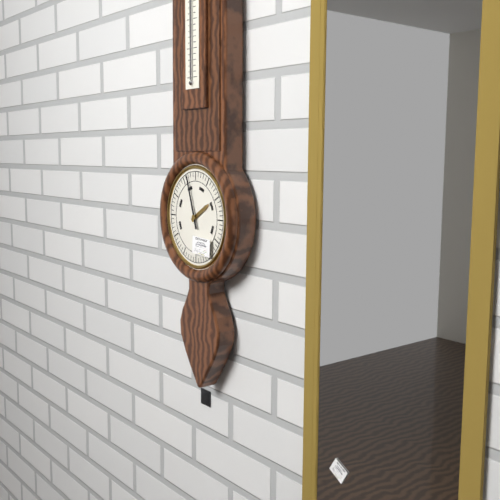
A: 1 h 57 min
